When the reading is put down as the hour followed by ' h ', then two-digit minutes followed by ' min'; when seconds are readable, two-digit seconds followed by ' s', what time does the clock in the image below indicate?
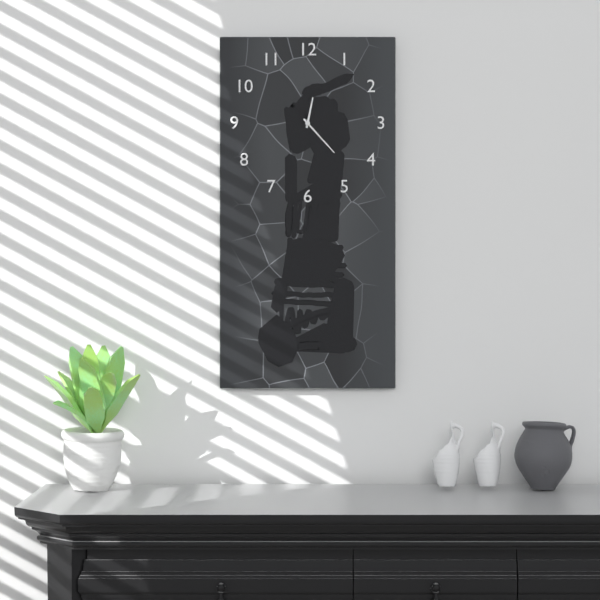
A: 12 h 23 min
